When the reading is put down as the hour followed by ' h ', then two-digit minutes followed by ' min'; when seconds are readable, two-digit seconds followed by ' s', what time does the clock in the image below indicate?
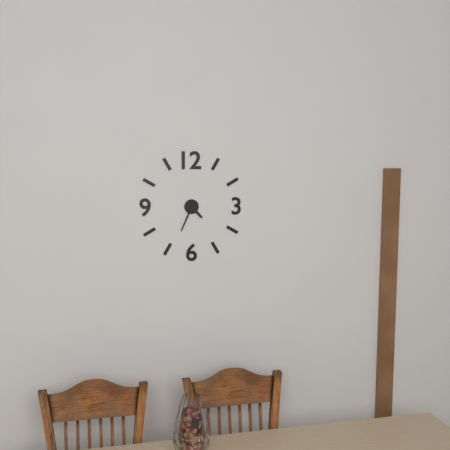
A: 4 h 34 min
